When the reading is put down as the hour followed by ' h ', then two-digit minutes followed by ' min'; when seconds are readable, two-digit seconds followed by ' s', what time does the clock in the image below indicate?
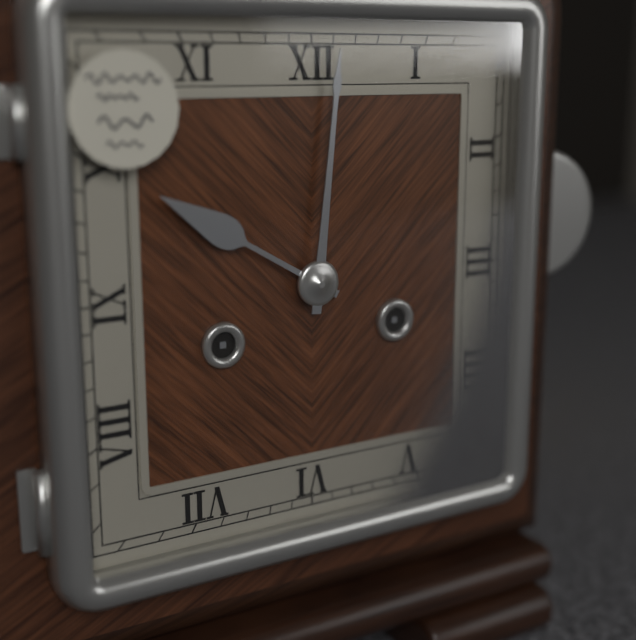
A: 10 h 01 min
